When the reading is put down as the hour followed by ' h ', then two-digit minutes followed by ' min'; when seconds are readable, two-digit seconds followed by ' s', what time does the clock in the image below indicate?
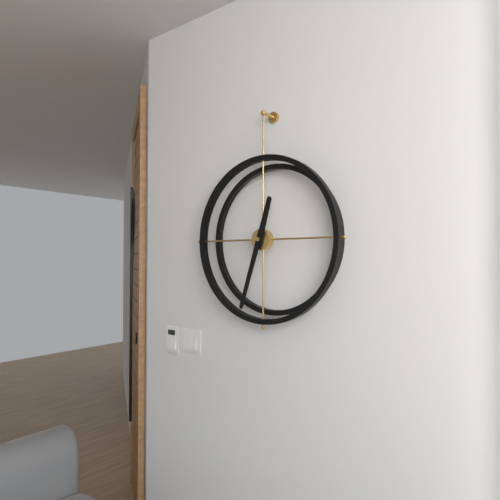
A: 12 h 33 min
